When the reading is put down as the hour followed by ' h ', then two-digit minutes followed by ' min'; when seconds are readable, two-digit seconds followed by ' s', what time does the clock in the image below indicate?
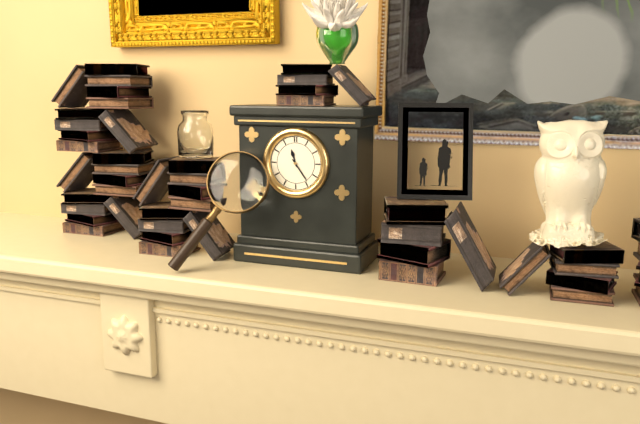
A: 11 h 24 min
